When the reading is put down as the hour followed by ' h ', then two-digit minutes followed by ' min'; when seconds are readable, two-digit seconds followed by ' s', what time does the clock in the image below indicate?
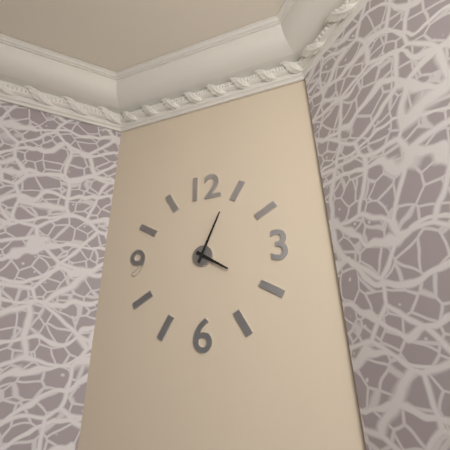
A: 4 h 04 min
